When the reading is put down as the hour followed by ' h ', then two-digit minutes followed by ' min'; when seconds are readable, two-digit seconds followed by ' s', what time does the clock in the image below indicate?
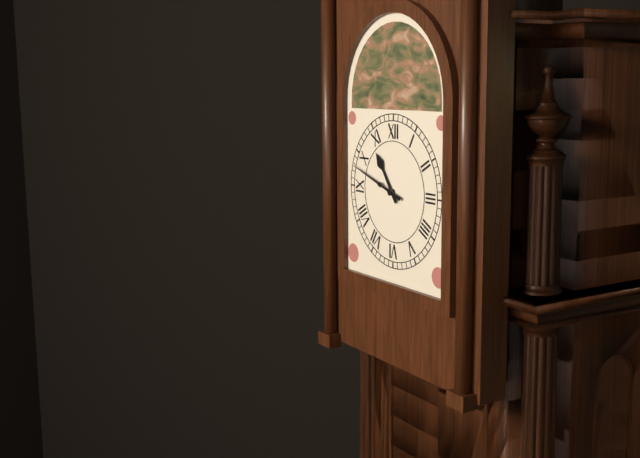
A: 10 h 48 min
